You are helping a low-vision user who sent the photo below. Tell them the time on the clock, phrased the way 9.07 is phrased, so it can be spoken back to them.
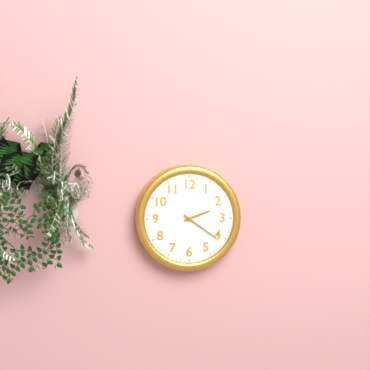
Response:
2.21
